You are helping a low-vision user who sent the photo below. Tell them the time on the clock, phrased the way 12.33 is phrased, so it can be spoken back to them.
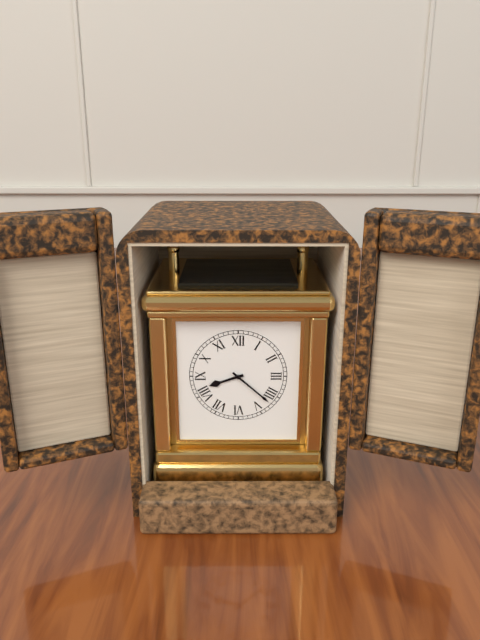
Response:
8.22
